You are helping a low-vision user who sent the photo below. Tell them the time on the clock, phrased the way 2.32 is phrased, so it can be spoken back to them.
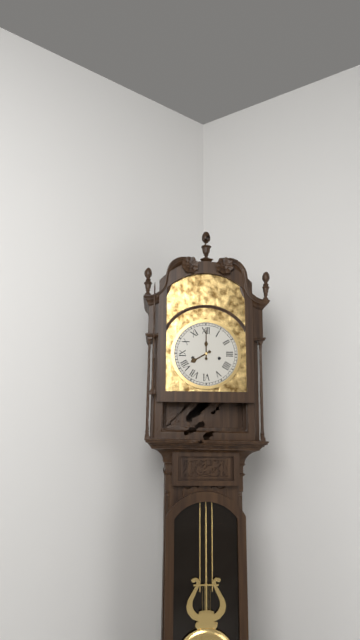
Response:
8.00
